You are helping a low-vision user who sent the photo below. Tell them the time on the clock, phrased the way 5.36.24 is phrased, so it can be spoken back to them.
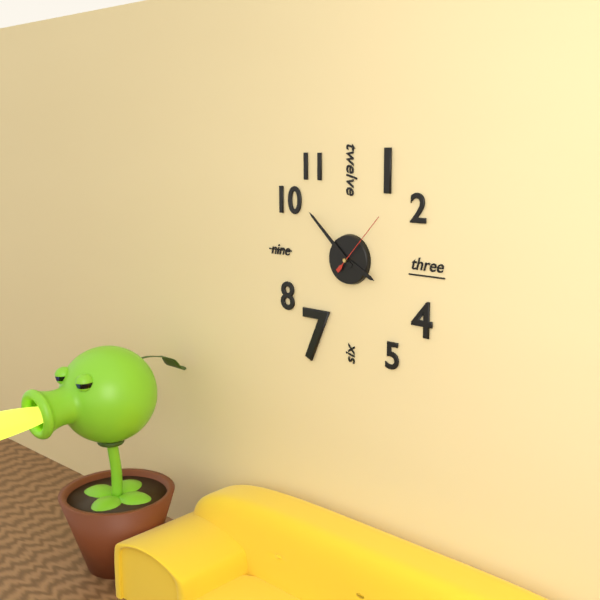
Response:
3.52.07
